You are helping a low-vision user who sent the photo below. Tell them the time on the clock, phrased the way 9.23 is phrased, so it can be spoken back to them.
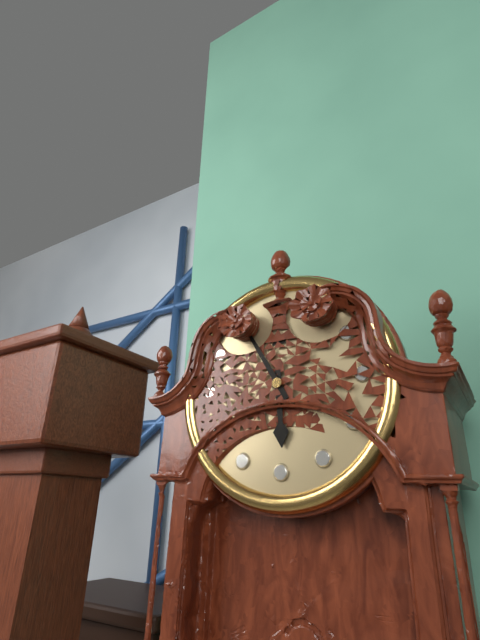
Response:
5.55
